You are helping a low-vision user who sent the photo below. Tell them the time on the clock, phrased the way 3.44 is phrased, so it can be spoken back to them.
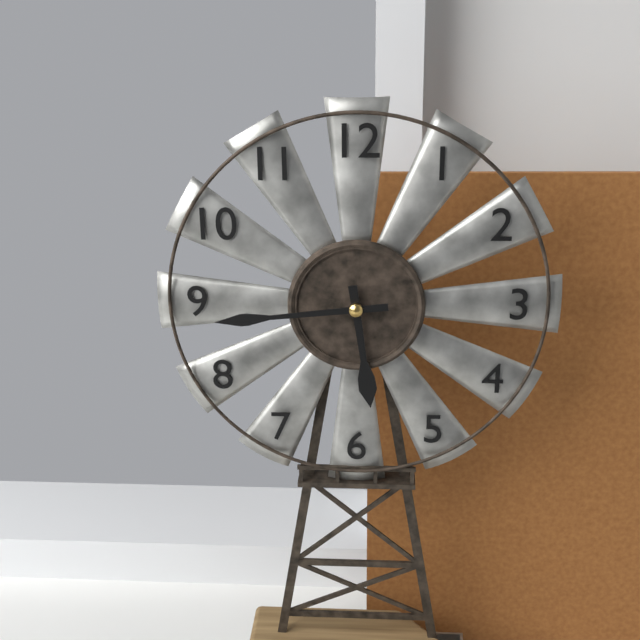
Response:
5.44
